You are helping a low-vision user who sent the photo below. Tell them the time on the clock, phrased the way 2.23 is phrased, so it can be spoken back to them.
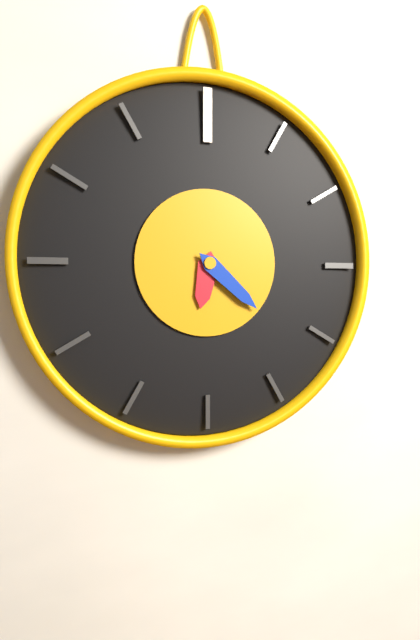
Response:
6.22
